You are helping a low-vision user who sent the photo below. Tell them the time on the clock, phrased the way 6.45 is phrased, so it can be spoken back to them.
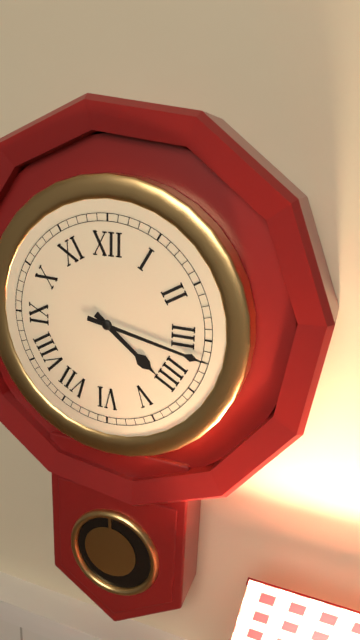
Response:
4.17
